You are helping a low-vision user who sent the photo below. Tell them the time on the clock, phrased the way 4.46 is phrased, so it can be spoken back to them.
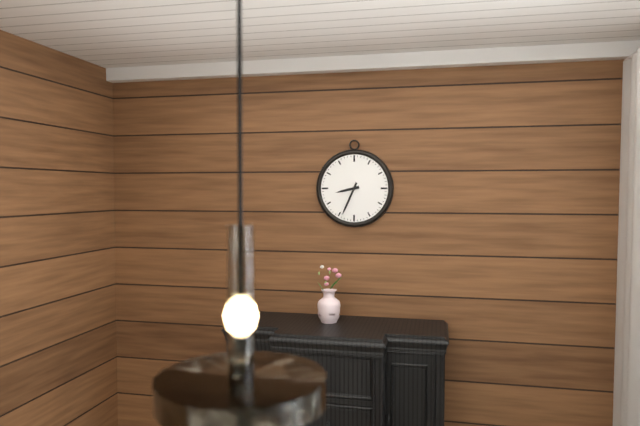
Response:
8.34
